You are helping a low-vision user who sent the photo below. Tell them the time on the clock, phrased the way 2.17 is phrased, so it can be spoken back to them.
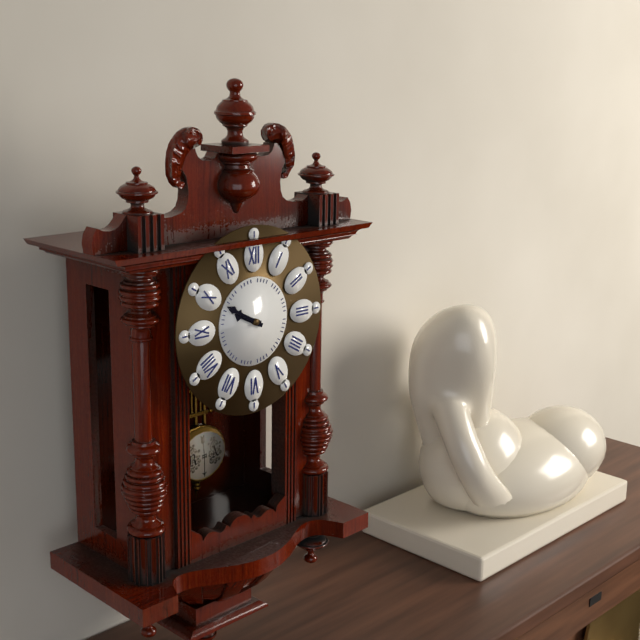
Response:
9.50
